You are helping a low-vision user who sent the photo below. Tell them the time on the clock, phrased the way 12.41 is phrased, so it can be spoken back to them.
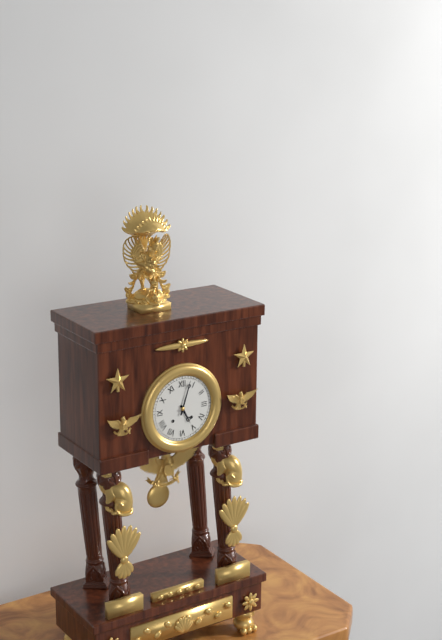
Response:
5.03
